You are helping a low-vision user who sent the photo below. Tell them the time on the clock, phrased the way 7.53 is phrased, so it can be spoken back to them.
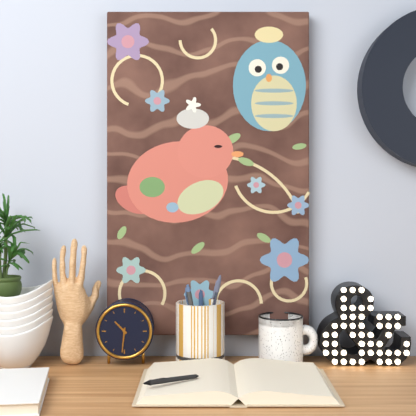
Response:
10.31
